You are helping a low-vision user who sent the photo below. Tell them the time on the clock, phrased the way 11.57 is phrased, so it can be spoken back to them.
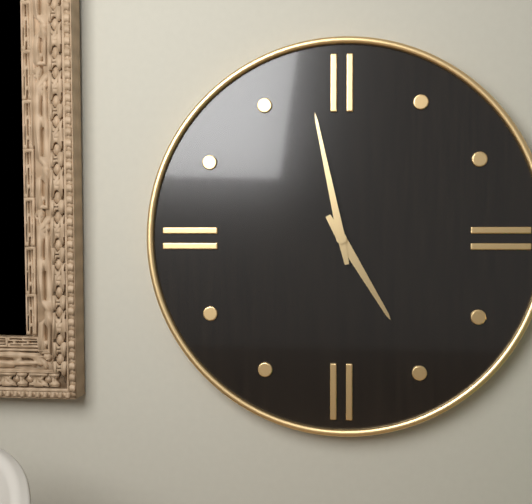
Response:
4.58
